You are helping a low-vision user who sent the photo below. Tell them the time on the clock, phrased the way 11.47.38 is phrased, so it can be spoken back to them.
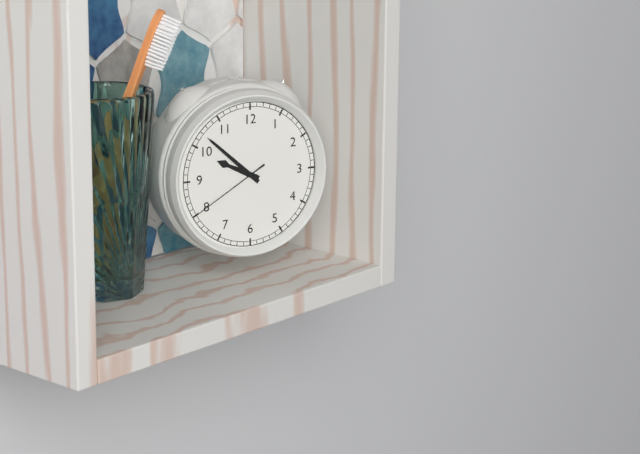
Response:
9.52.40
